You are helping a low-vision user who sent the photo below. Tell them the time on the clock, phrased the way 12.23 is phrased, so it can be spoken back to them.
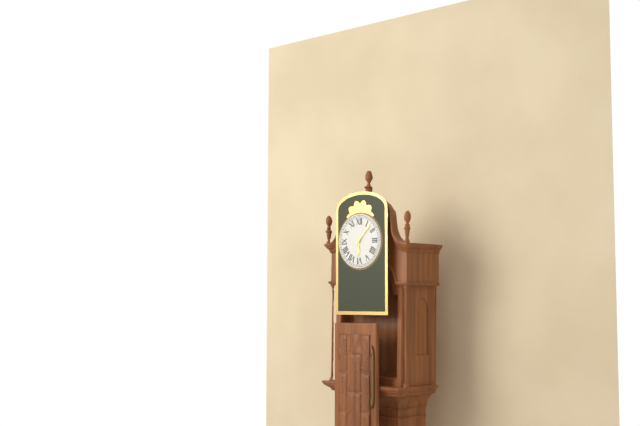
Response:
6.07
